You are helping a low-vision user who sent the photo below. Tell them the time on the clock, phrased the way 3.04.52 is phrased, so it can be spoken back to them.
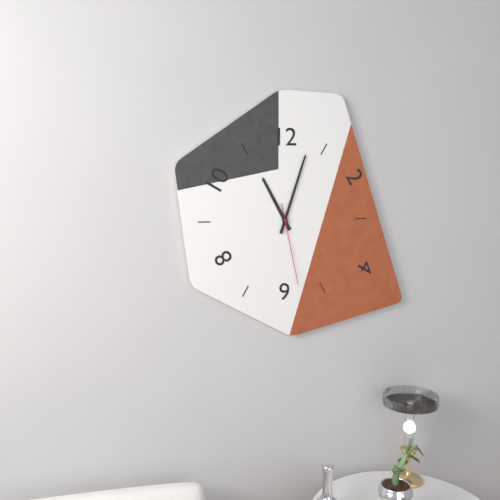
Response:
11.03.28
